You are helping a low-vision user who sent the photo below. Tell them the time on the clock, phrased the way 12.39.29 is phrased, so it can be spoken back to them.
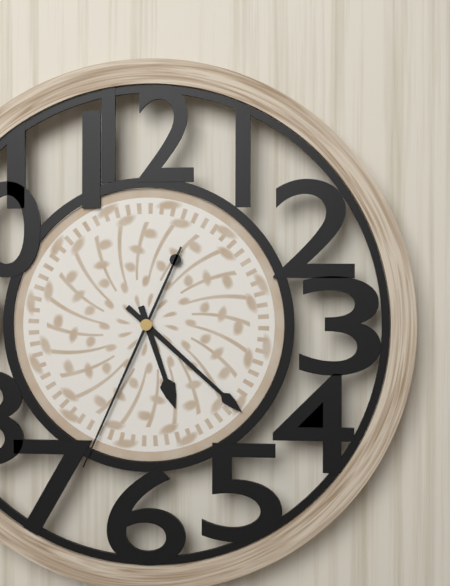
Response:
5.22.34
